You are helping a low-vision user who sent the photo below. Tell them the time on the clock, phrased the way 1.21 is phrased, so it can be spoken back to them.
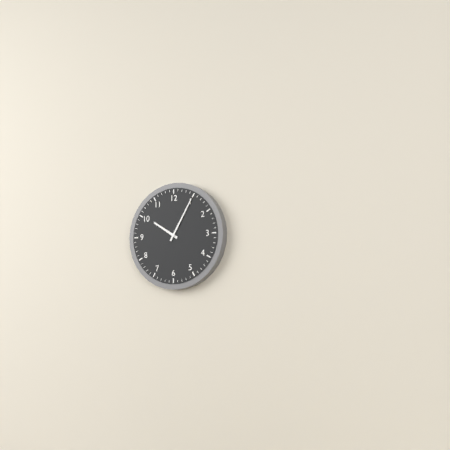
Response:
10.05
